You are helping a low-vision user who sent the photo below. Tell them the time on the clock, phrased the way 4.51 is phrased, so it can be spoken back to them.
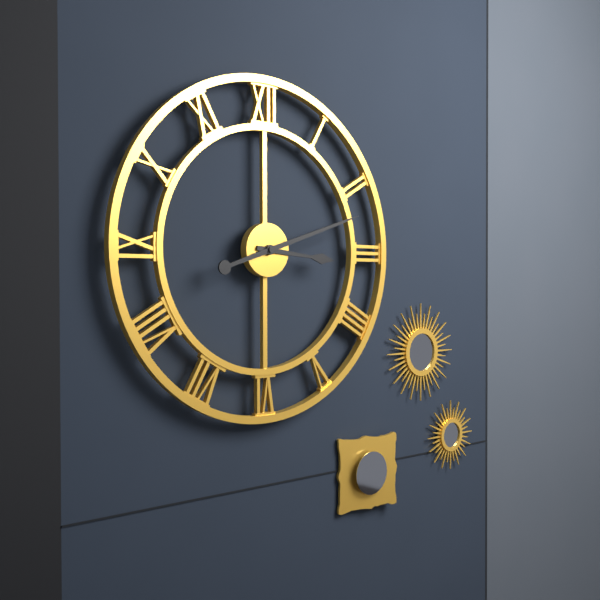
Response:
3.12
